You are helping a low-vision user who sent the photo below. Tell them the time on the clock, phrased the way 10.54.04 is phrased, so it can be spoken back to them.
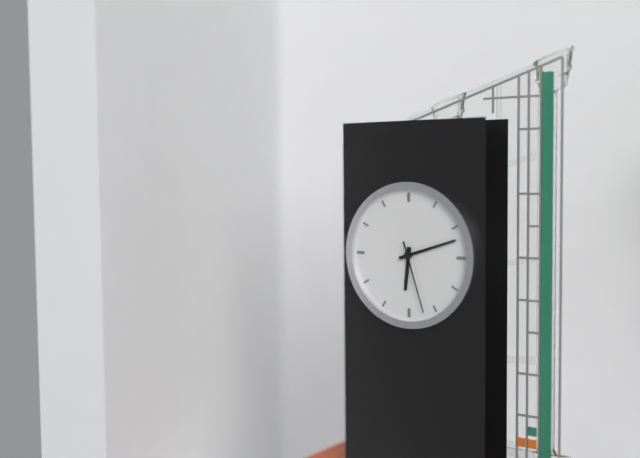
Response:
6.12.27
